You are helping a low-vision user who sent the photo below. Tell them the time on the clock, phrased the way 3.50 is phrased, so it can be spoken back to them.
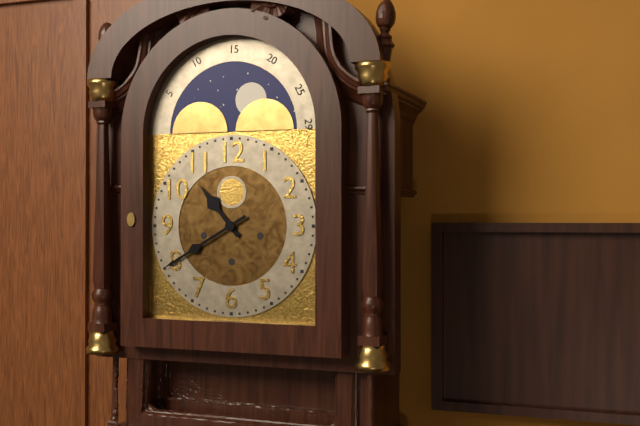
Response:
10.40
